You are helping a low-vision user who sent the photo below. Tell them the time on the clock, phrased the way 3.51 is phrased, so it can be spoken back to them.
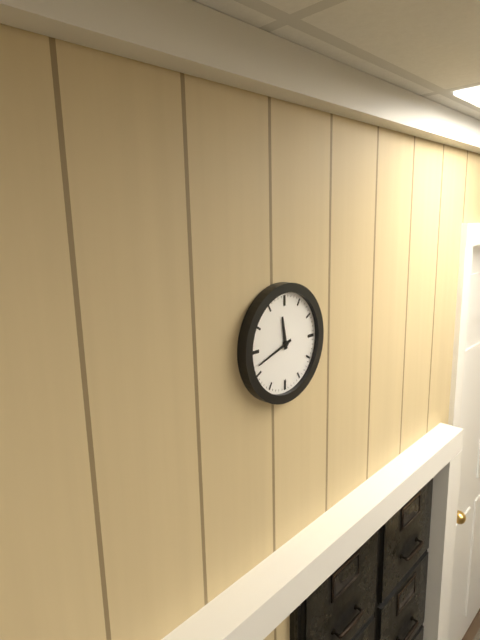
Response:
11.42
